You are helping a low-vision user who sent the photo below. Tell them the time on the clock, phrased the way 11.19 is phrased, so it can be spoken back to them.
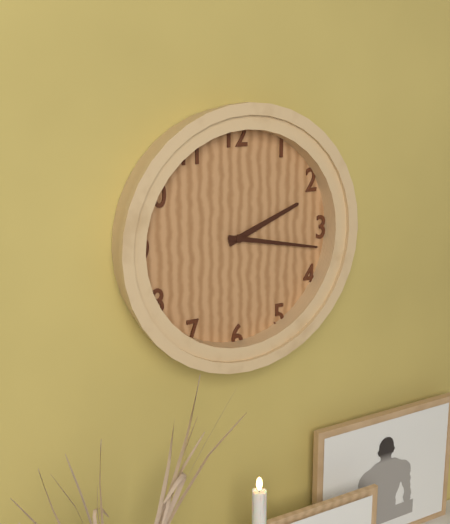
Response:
2.17
